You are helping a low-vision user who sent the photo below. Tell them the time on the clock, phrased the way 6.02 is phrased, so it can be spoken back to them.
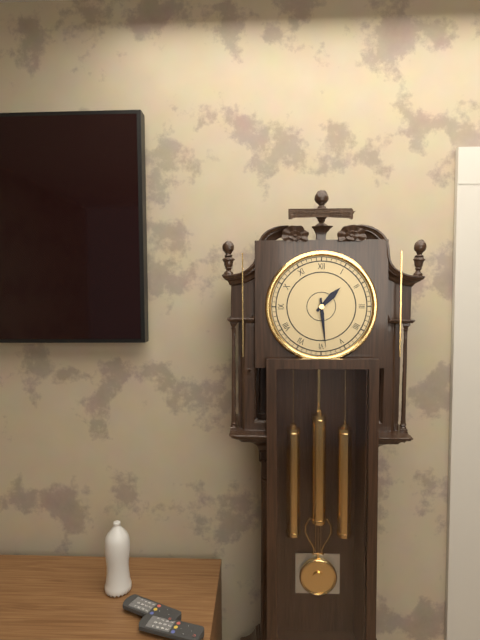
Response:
1.29
